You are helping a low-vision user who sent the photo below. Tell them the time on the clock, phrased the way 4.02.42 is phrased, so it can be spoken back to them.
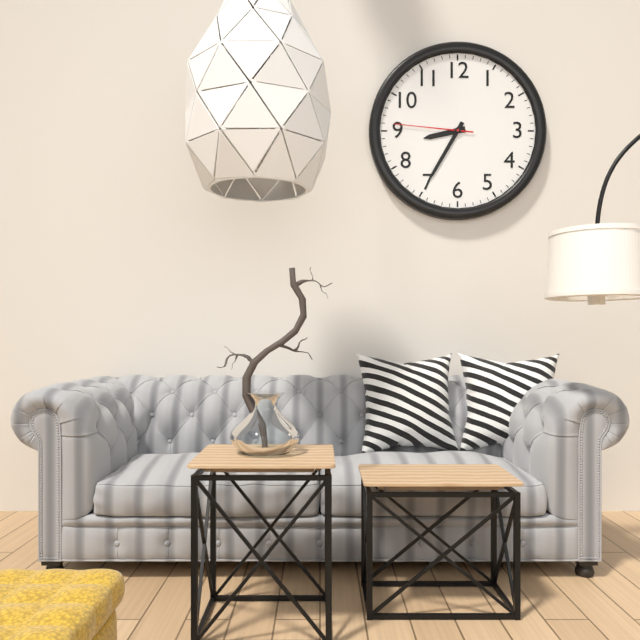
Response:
8.35.46
